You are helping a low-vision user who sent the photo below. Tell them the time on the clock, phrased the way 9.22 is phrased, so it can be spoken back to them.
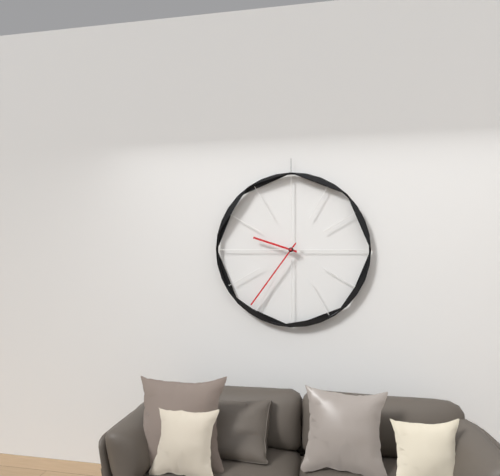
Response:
9.36
